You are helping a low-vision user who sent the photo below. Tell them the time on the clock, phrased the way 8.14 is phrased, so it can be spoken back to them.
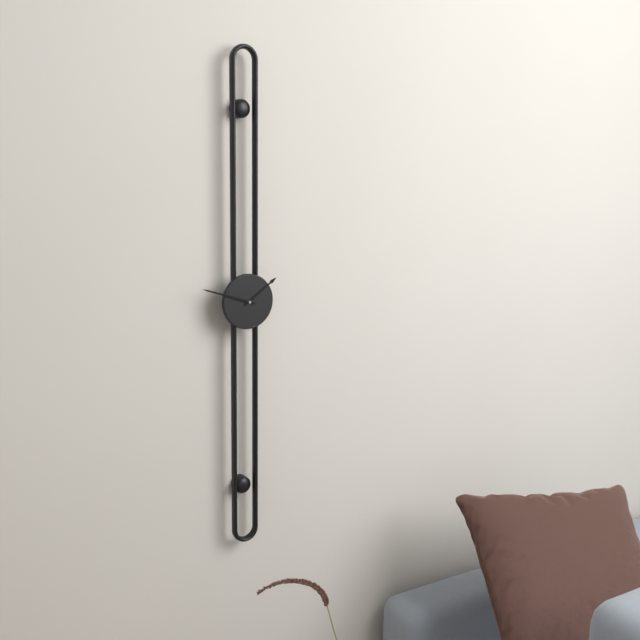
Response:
1.48
